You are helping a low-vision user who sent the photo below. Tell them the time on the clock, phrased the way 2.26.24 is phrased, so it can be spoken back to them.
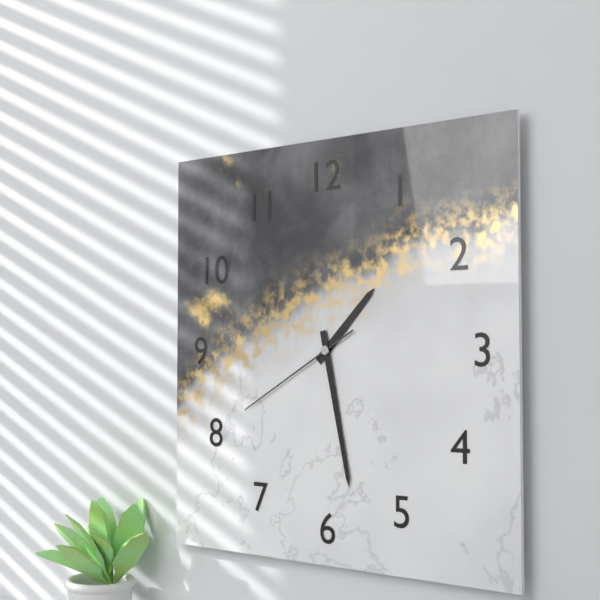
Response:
1.28.40
